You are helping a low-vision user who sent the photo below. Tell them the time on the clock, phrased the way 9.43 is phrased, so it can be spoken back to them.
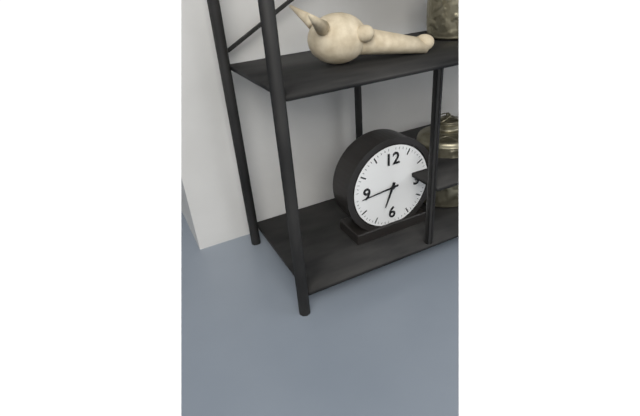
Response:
6.44
